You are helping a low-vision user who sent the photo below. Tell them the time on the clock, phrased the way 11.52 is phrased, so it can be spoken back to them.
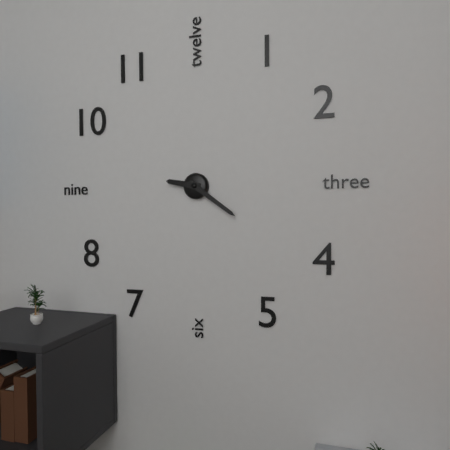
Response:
9.21
